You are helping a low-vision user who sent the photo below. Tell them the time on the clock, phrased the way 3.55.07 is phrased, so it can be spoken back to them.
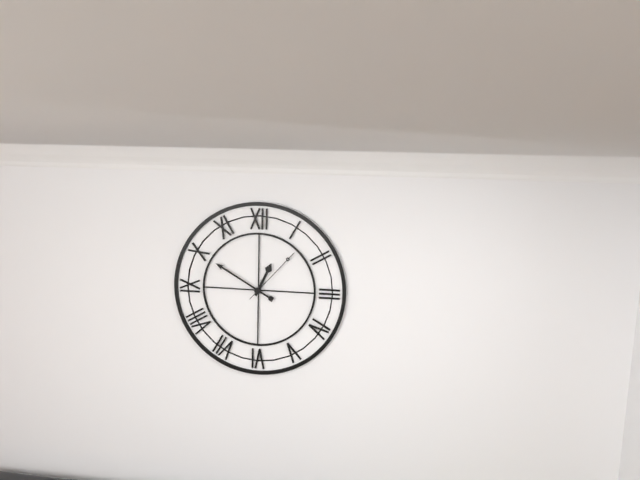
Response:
12.50.07
